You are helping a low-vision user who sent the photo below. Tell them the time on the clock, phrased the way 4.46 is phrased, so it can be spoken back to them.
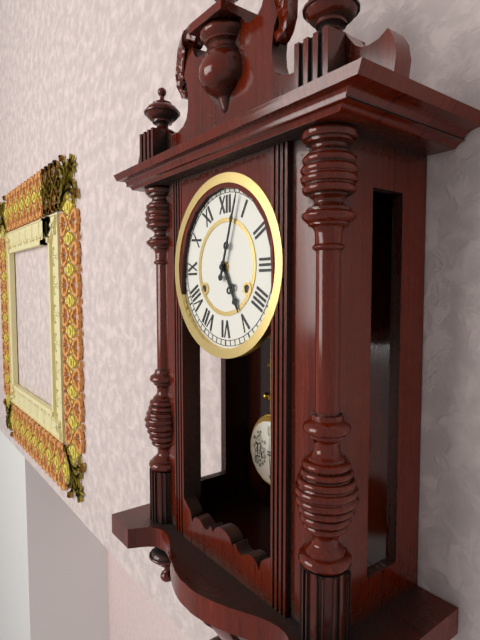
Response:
5.03
